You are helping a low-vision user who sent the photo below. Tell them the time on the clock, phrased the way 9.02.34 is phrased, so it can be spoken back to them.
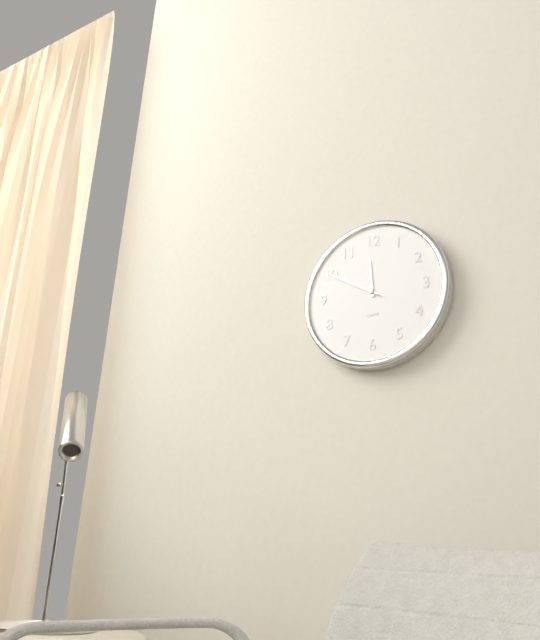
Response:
11.50.50
